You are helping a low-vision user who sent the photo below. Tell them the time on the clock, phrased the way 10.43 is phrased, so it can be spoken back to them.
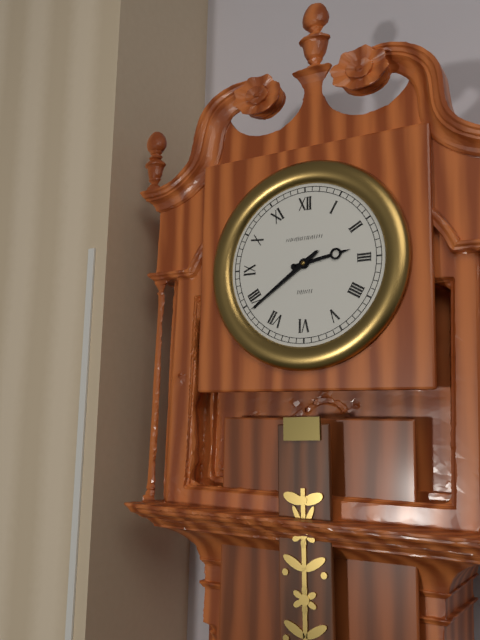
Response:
2.39
